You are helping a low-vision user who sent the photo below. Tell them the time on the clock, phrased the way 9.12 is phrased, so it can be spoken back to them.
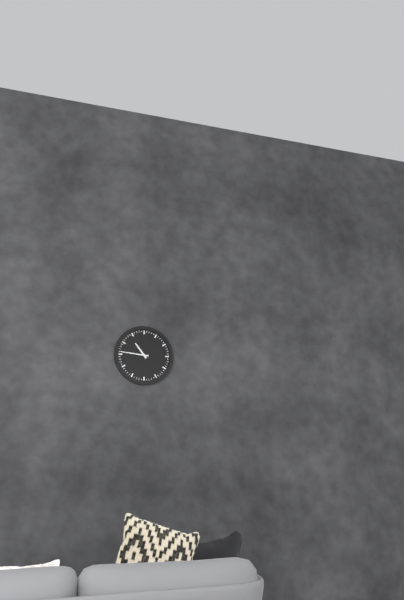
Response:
10.46
